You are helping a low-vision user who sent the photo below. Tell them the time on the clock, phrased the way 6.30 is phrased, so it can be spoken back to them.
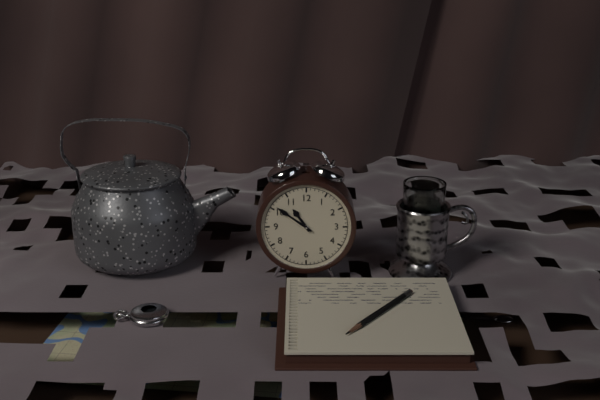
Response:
10.51
